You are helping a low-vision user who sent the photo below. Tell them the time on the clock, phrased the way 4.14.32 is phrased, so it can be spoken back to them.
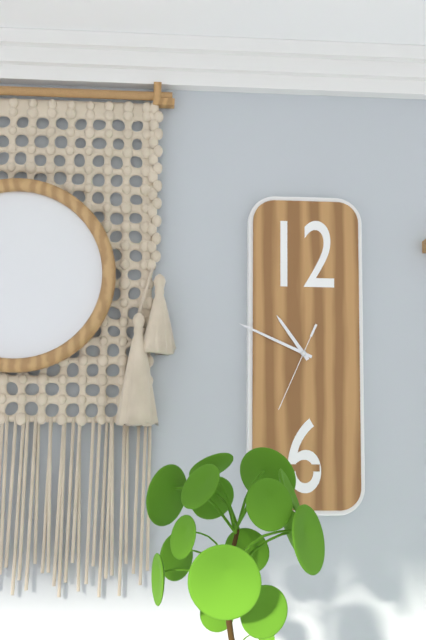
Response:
10.49.34
